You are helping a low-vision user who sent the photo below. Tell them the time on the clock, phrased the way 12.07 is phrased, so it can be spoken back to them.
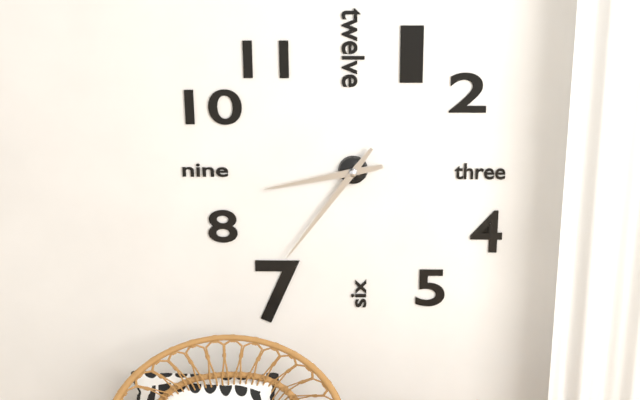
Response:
8.36
